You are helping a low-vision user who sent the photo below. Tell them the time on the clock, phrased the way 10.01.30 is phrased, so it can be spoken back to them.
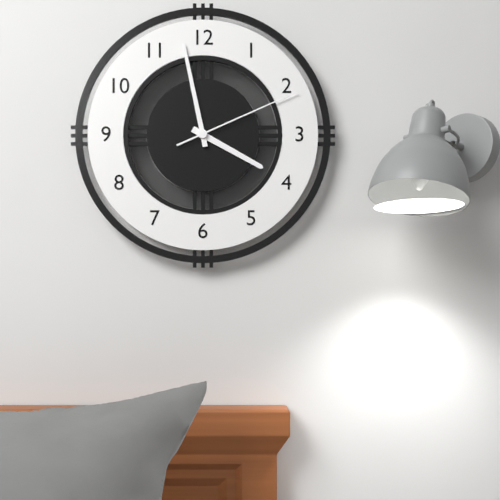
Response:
3.58.11
